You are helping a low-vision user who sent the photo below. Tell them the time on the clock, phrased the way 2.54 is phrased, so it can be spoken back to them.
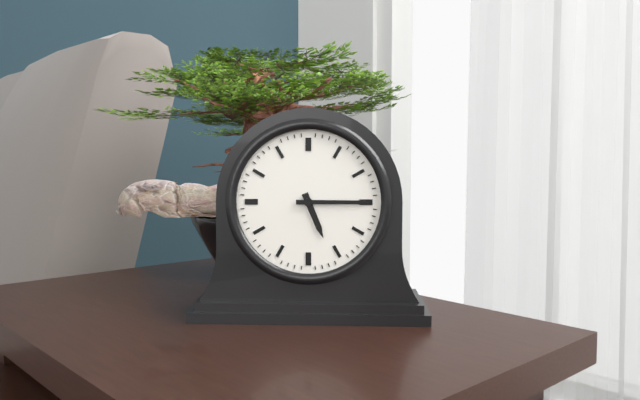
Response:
5.15
